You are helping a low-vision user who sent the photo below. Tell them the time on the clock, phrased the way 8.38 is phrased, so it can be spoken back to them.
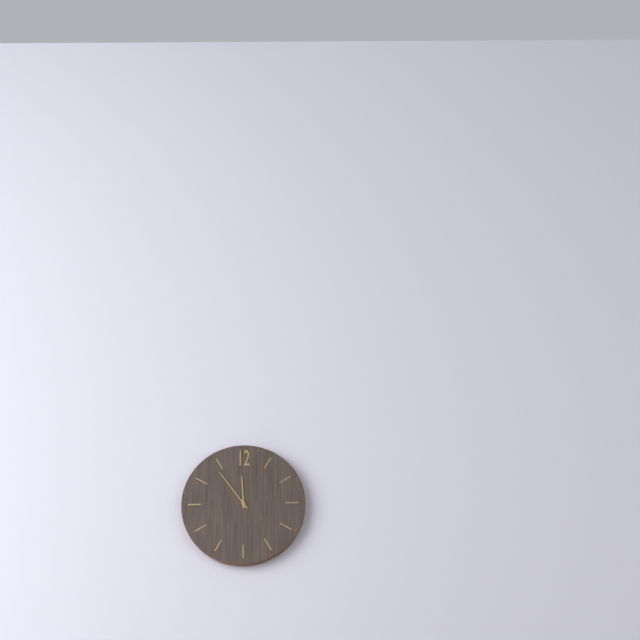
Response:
11.54
